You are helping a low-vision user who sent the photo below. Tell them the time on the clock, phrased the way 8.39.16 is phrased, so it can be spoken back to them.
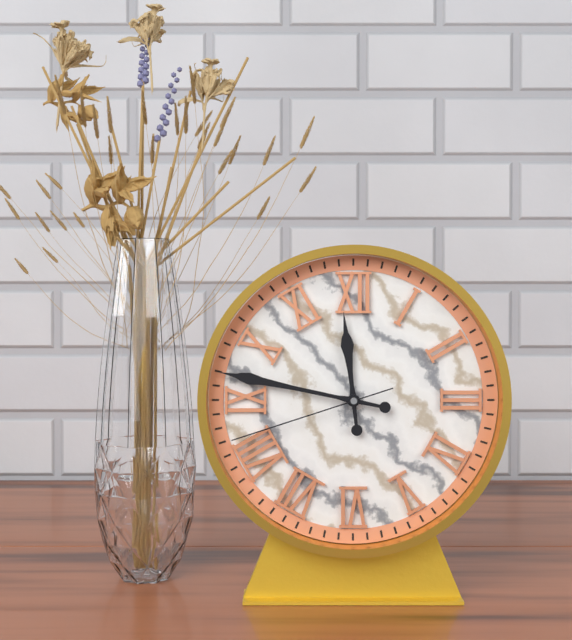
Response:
11.47.42
